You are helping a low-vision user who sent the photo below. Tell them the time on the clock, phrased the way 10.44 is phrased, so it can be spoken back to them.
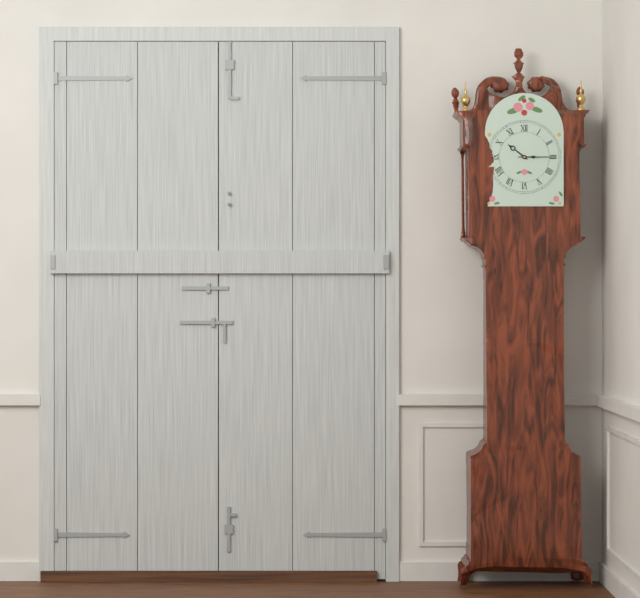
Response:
10.15
